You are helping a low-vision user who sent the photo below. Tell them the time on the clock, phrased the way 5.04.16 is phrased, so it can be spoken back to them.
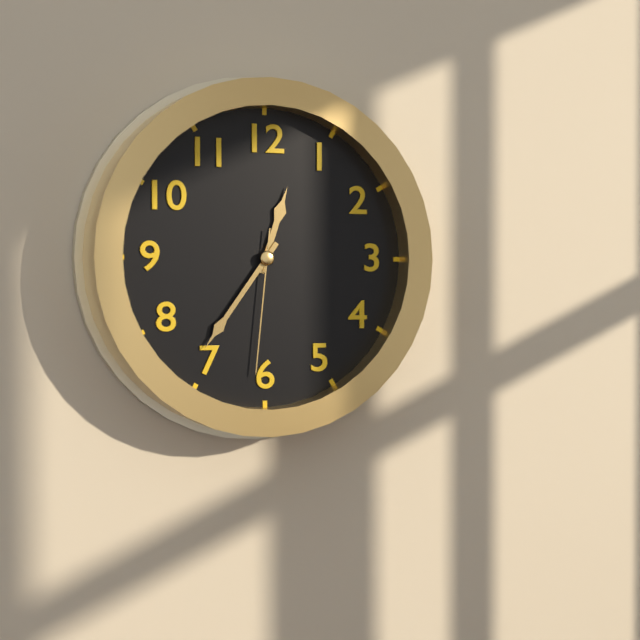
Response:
12.36.31
